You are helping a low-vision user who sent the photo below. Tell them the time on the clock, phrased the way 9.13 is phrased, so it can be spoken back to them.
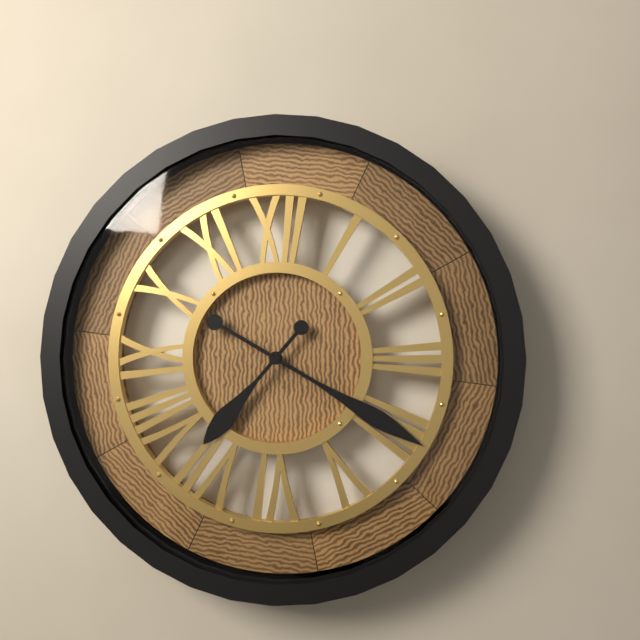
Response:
7.20
